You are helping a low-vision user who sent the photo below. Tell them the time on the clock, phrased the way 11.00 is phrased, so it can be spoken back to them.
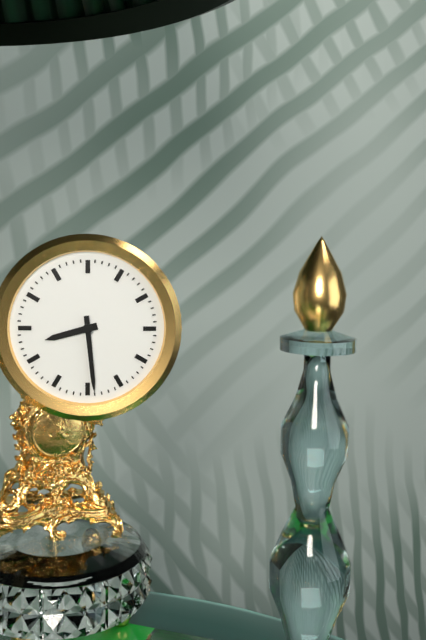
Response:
8.29
